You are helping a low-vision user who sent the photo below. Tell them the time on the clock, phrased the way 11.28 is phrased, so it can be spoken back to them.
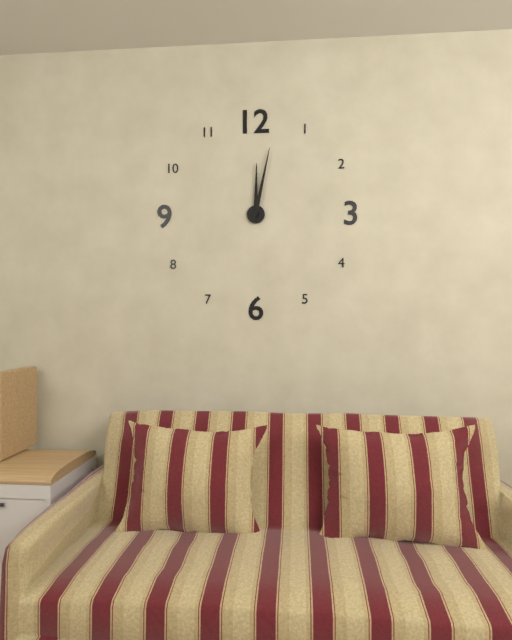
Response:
12.02
